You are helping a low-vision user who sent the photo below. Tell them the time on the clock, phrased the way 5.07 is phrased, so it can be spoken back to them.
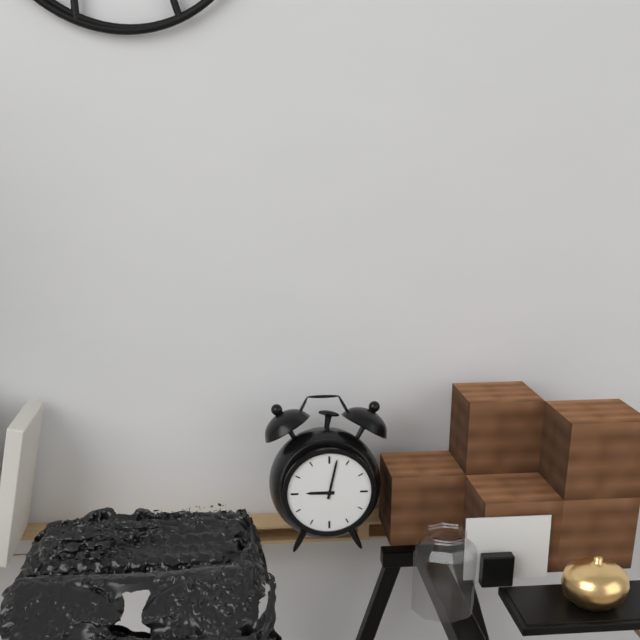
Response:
9.02
